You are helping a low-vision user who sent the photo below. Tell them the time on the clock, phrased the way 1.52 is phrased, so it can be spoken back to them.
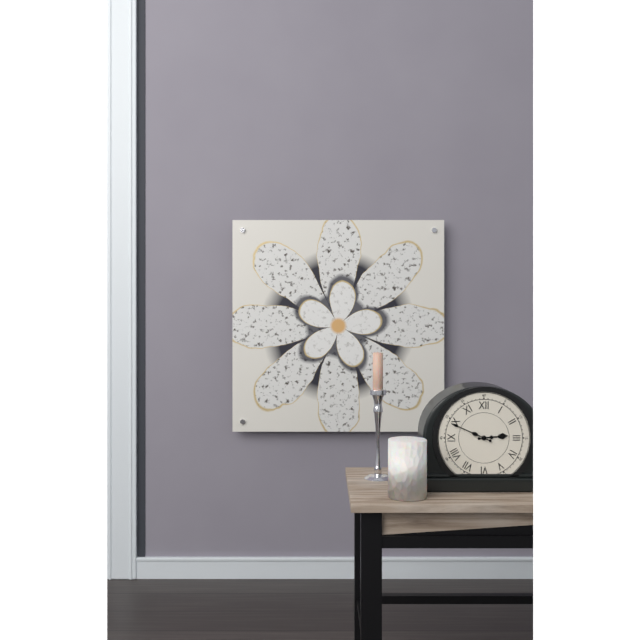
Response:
2.49
